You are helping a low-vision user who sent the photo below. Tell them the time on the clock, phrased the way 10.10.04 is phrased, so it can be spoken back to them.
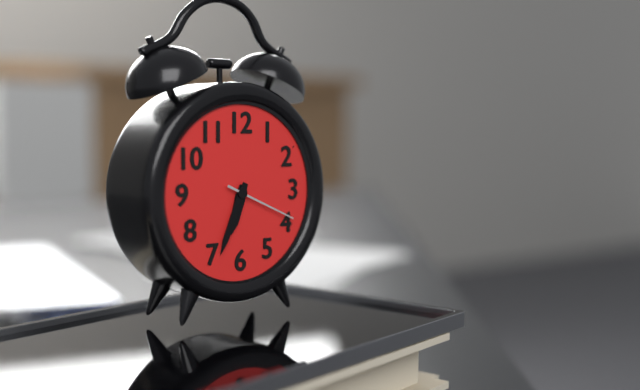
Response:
6.34.19
